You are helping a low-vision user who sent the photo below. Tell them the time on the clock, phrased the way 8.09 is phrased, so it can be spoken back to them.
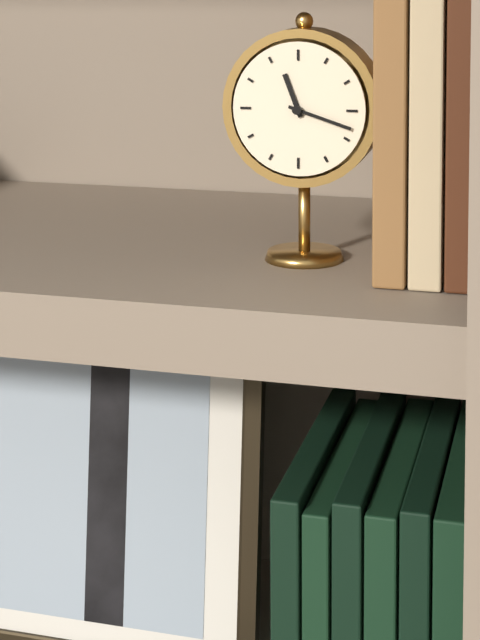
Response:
11.18
